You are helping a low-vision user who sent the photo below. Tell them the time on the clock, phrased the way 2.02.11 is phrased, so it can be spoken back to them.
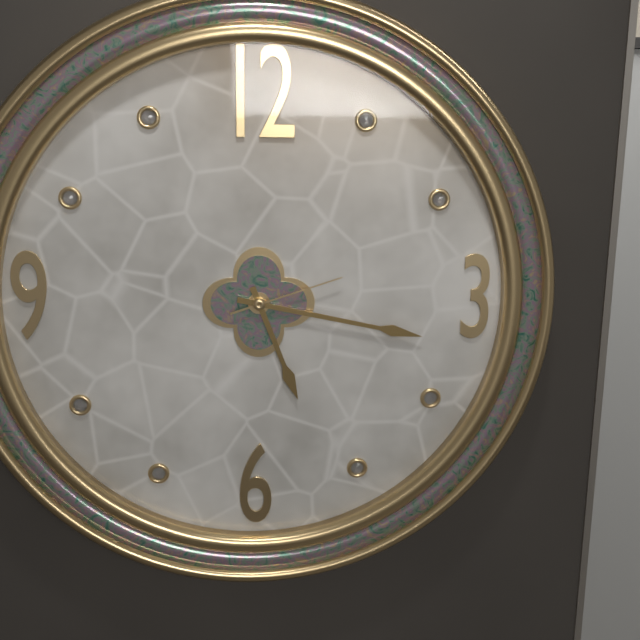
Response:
5.17.12
